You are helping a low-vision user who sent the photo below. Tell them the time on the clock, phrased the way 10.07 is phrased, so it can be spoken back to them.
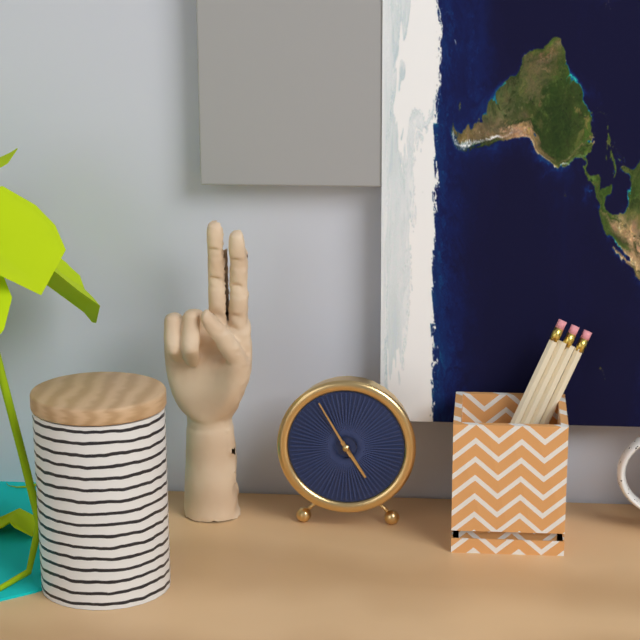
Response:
4.55
